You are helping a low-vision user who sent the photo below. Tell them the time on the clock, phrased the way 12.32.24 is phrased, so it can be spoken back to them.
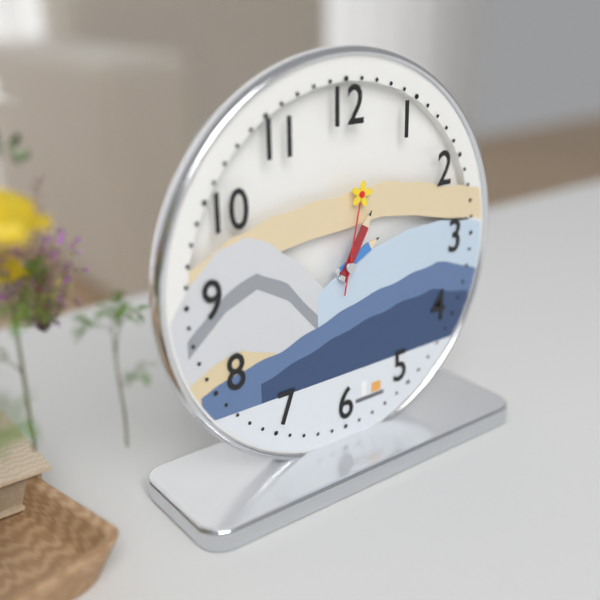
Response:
2.05.02
